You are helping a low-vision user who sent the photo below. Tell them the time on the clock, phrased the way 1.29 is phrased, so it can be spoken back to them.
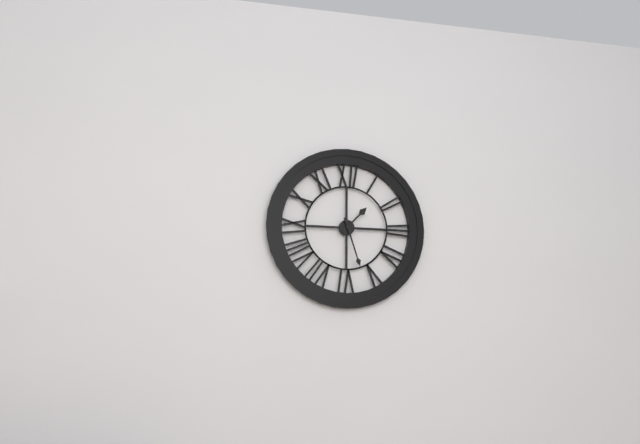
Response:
1.27
